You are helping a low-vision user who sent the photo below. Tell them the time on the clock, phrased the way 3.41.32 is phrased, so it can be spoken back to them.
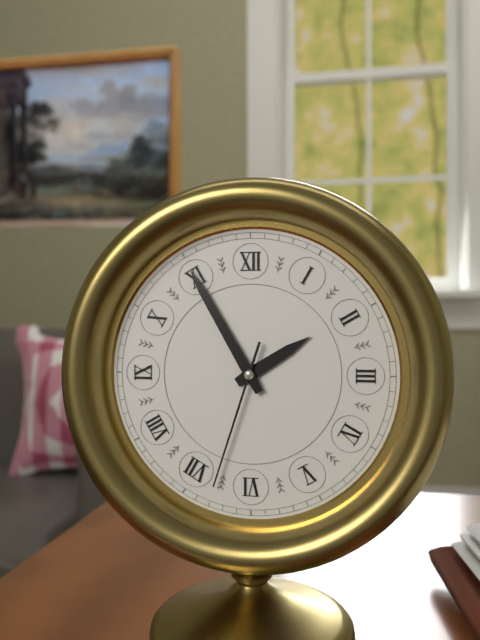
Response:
1.55.33
